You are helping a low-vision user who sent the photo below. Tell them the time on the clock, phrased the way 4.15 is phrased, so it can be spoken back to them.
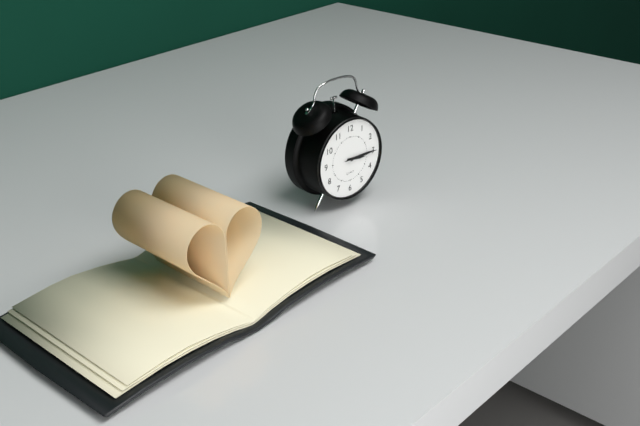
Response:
3.15
